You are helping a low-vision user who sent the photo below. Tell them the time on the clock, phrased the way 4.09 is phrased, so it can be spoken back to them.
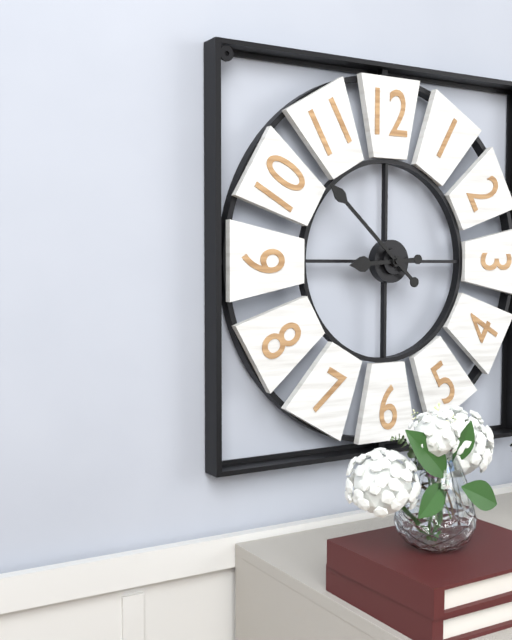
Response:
8.52
